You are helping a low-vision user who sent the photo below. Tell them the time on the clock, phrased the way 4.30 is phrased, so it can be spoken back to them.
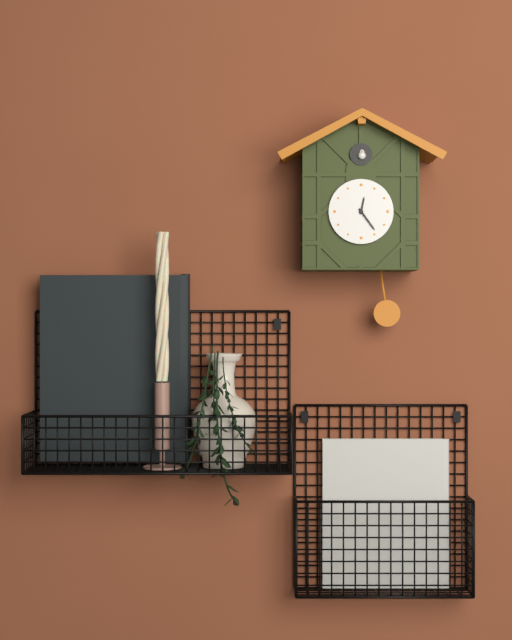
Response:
12.24
